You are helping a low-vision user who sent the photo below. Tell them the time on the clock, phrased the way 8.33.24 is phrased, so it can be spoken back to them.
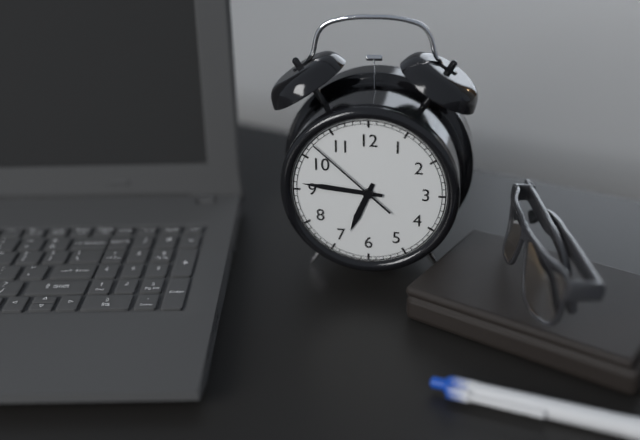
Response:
6.46.52
